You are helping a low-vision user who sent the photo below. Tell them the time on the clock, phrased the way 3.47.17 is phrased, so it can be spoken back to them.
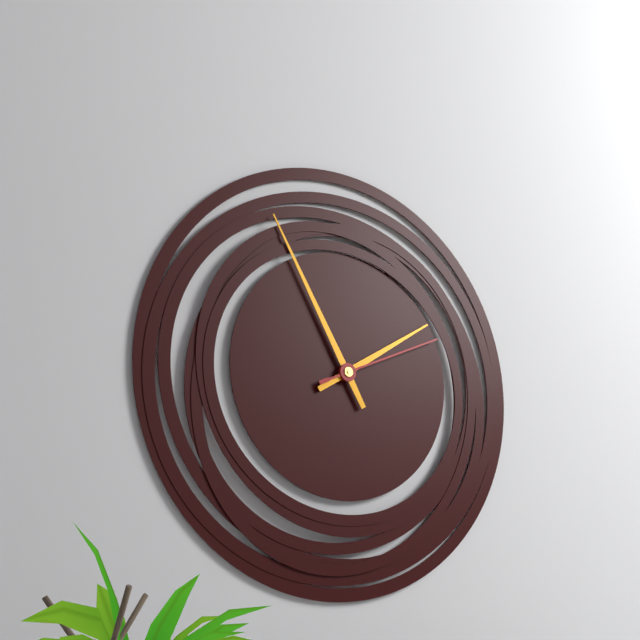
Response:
1.55.11
